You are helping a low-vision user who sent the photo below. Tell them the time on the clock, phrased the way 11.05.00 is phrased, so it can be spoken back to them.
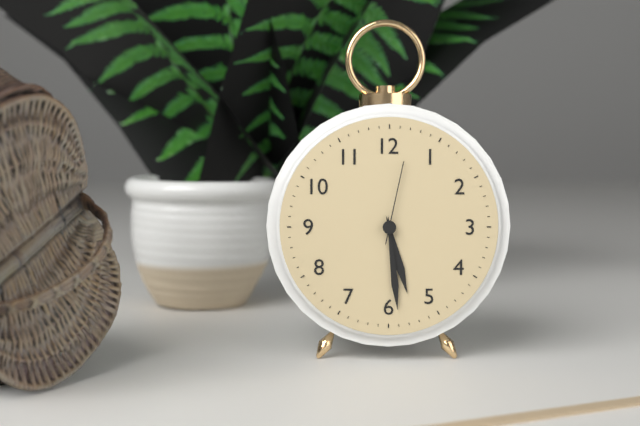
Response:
5.29.02
